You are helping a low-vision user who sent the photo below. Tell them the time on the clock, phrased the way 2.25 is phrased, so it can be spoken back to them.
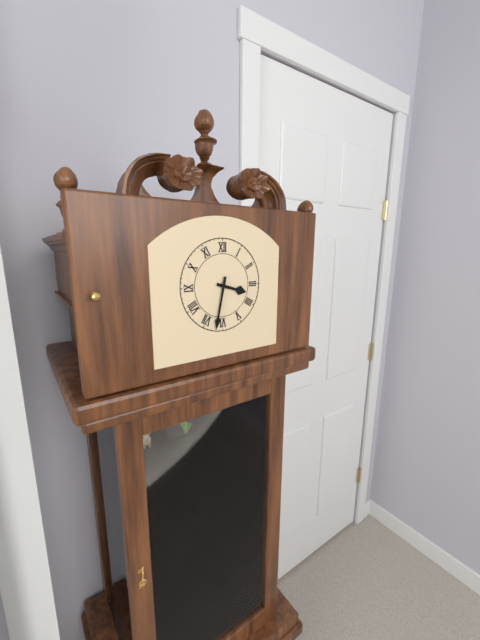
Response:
3.32
